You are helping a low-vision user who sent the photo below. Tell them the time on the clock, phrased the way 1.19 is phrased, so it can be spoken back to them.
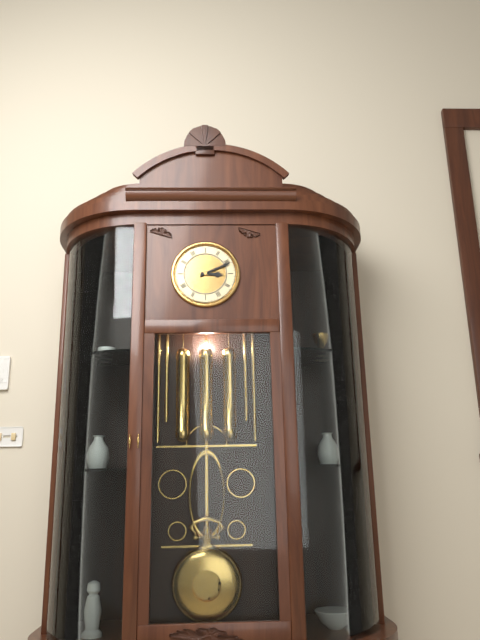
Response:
3.11
